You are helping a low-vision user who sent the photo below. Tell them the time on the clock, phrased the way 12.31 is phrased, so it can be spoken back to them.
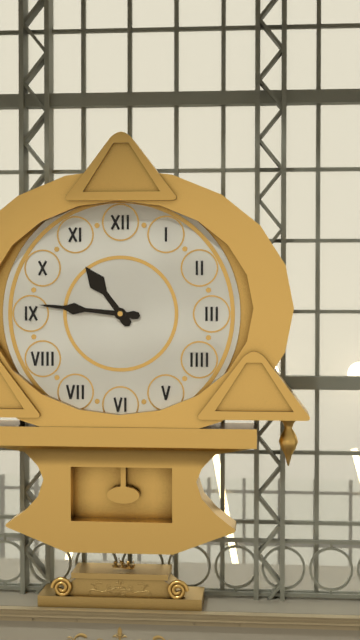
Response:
10.46
